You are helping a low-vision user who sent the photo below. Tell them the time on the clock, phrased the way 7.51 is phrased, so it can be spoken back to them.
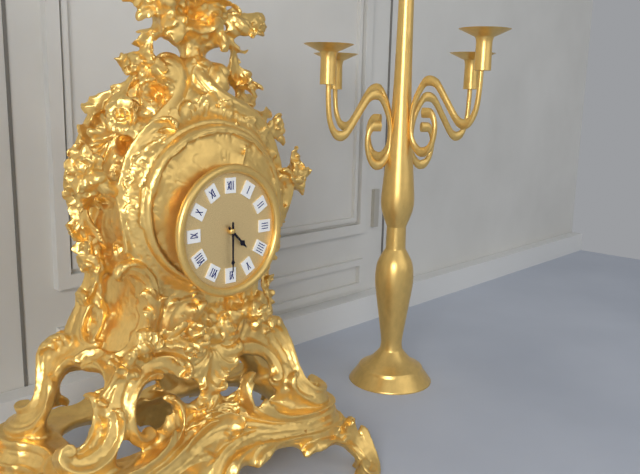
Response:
4.30
